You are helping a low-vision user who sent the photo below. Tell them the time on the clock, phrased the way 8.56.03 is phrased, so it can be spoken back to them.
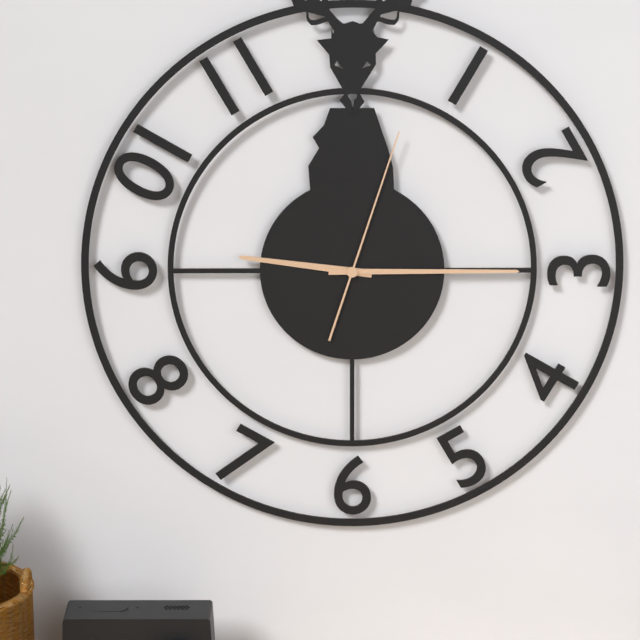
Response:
9.15.03
